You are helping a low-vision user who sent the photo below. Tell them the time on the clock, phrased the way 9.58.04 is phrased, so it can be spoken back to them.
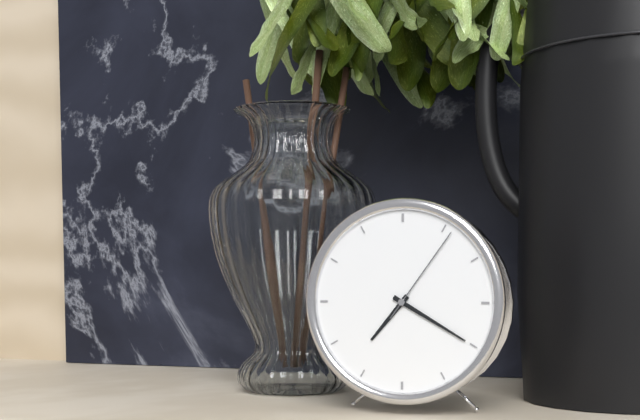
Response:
7.20.06
